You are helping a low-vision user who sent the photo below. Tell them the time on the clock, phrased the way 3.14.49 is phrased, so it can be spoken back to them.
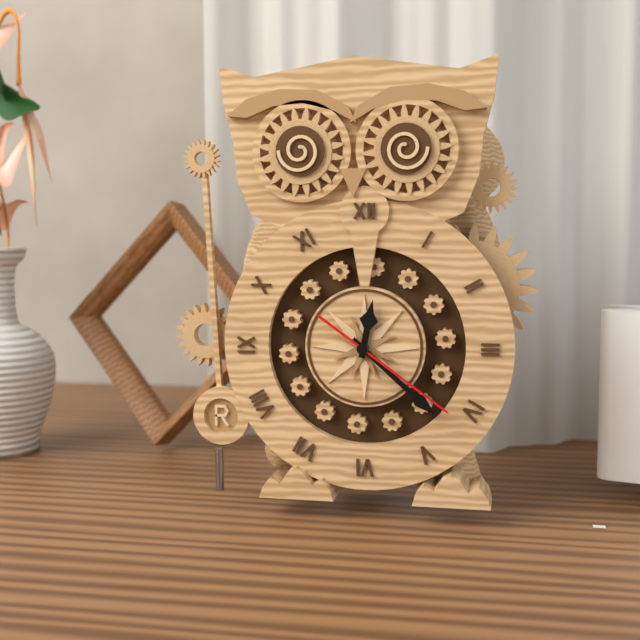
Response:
12.22.21
